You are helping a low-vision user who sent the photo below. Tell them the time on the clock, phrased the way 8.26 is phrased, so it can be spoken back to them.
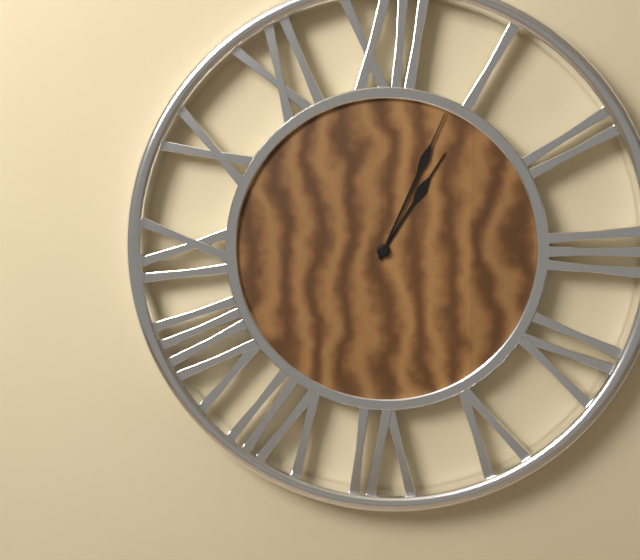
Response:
1.04
